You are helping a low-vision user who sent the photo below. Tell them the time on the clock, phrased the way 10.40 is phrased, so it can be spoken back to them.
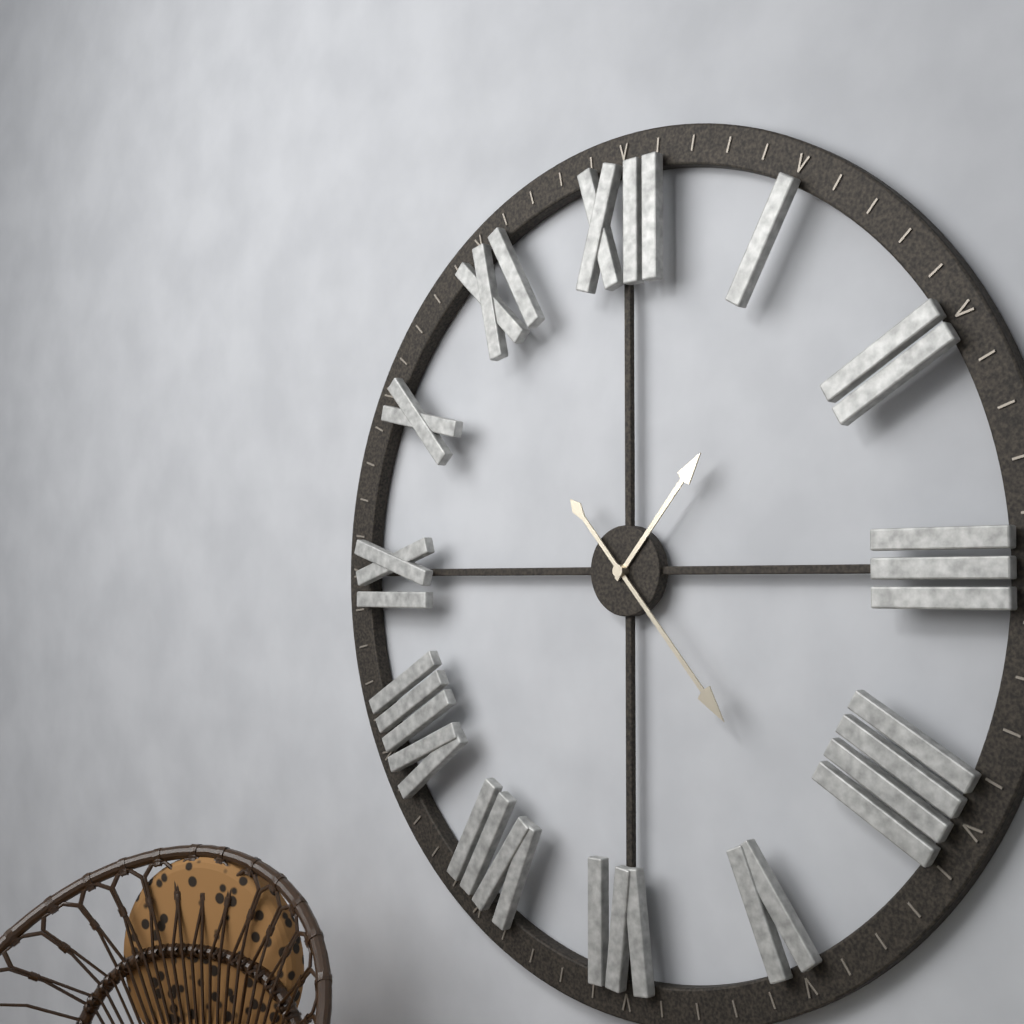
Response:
1.23
